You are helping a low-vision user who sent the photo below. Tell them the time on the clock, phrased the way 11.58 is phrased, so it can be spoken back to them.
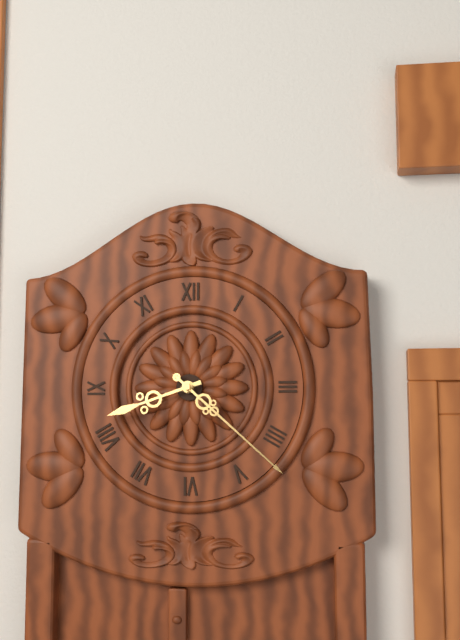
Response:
8.22
